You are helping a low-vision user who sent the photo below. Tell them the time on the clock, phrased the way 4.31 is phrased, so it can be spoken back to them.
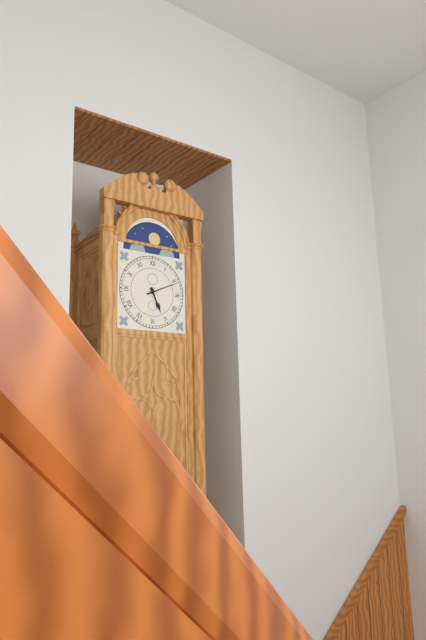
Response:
5.11
